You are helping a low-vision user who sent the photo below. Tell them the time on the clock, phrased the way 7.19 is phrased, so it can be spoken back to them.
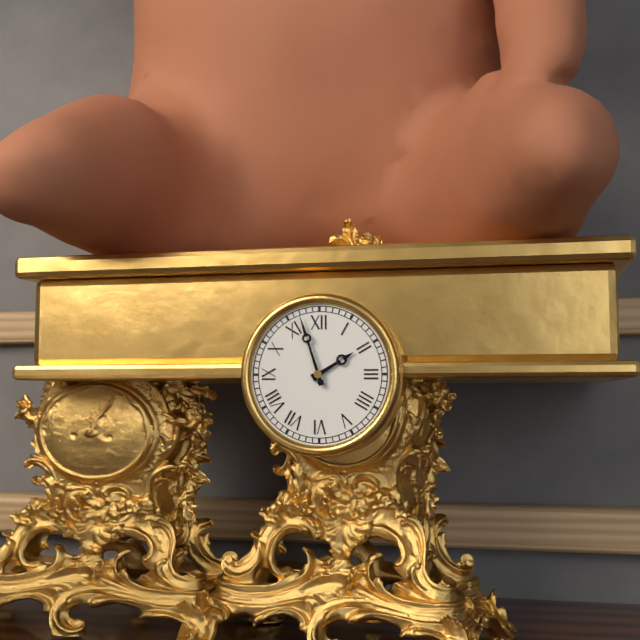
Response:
1.57
